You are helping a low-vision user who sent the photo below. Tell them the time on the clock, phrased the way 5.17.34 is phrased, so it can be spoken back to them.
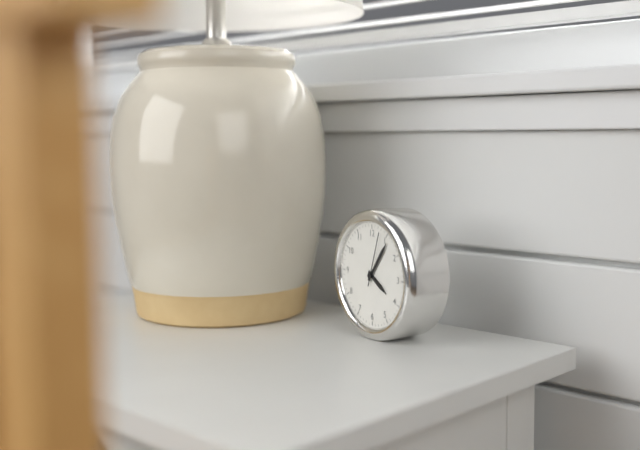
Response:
4.06.03
